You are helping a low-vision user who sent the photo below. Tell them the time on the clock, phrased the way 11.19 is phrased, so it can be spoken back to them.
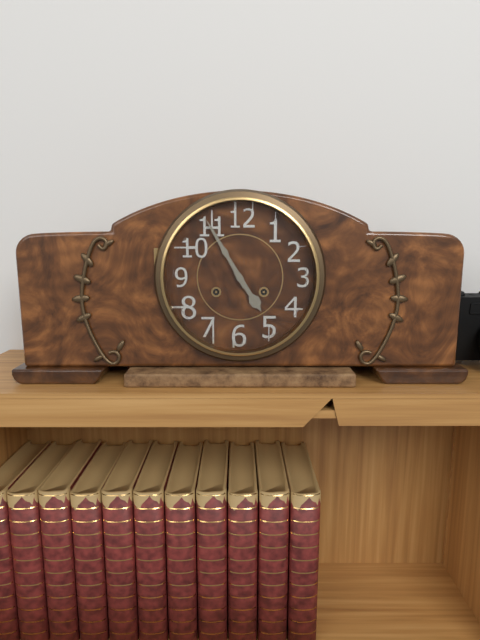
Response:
4.55
